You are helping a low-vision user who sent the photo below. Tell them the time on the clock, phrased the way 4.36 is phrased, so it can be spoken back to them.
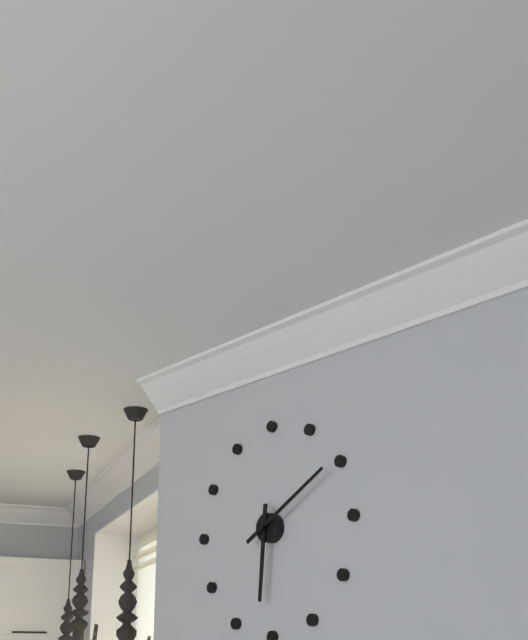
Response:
6.10
